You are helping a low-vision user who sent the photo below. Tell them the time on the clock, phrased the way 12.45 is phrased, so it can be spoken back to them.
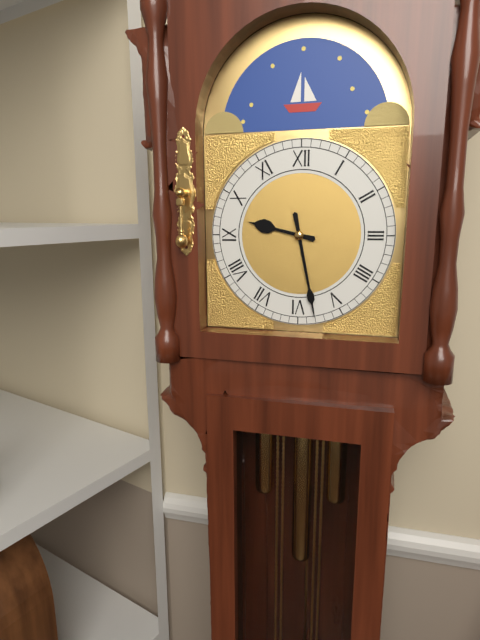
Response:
9.28
